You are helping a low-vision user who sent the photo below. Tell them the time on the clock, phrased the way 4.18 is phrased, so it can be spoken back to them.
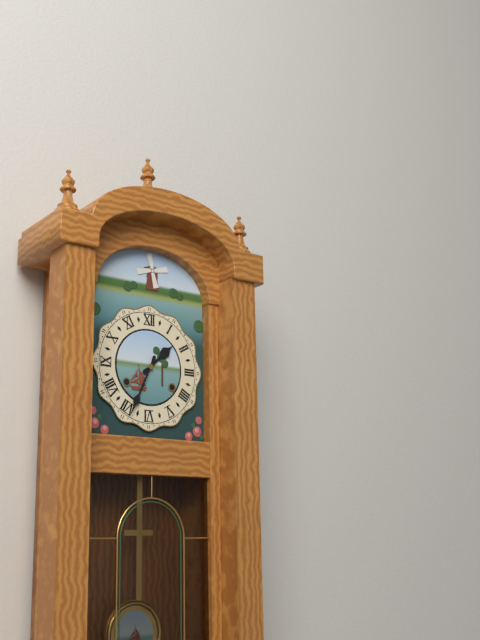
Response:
1.34
